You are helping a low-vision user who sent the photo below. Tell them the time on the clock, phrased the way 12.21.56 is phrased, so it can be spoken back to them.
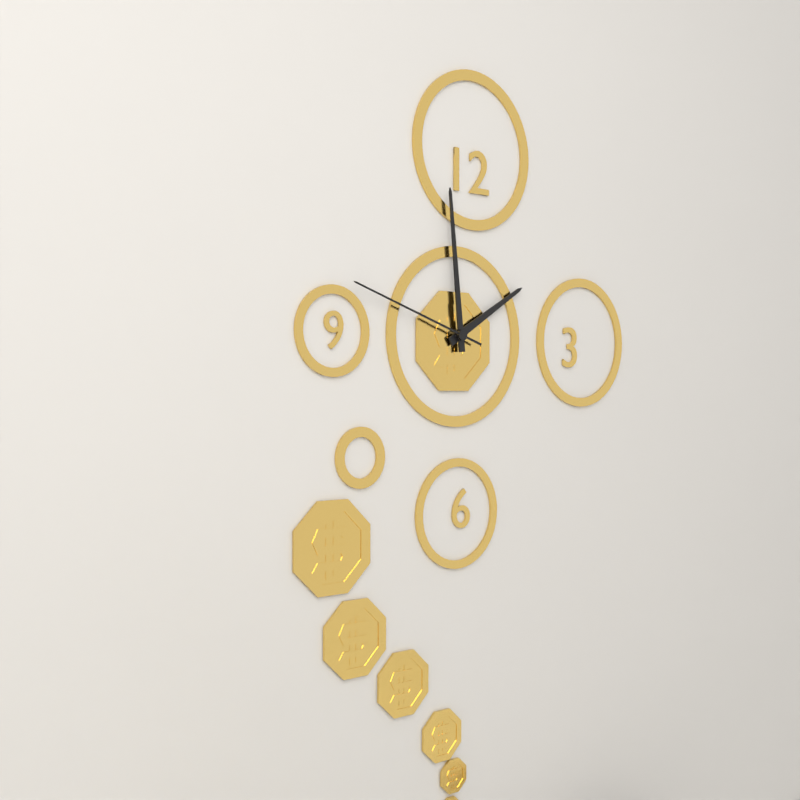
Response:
1.59.48
